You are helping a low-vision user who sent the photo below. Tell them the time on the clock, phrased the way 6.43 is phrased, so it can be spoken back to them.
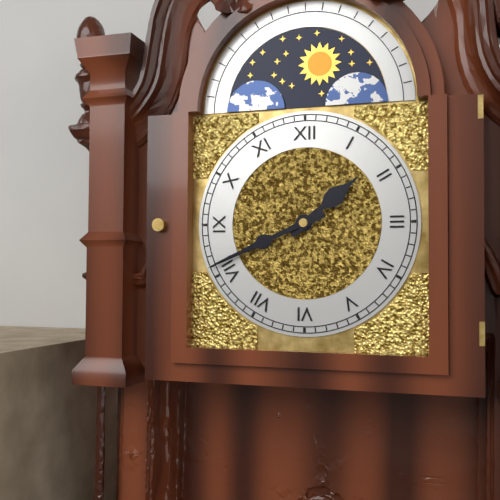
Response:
1.41
